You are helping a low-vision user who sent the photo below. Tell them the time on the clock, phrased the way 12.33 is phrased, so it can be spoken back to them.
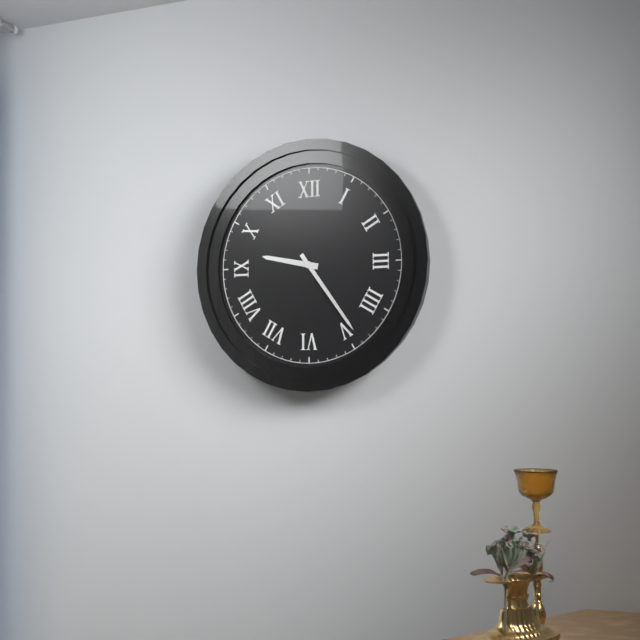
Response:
9.24
